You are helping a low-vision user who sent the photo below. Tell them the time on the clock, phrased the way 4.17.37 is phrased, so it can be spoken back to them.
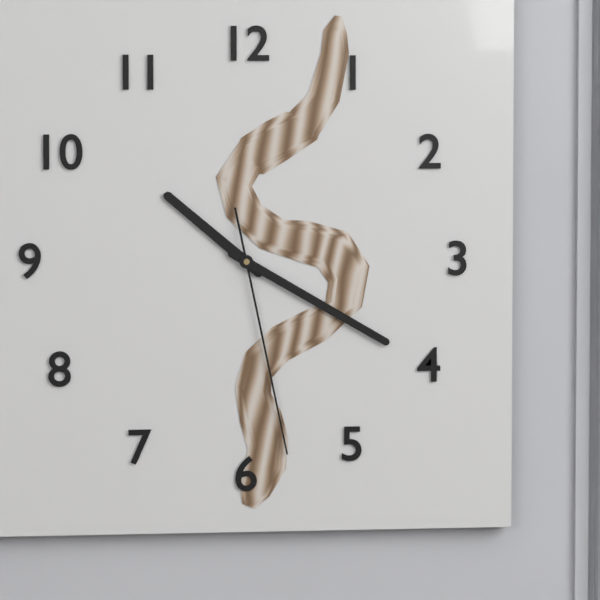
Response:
10.20.28
